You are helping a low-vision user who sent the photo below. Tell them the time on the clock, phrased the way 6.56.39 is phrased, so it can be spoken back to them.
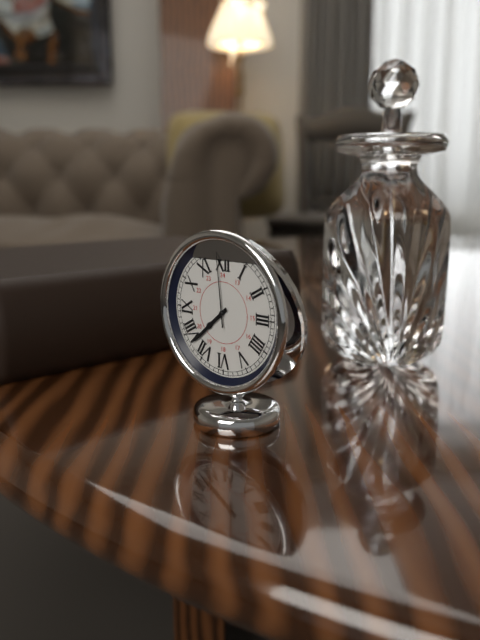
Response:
7.38.59
